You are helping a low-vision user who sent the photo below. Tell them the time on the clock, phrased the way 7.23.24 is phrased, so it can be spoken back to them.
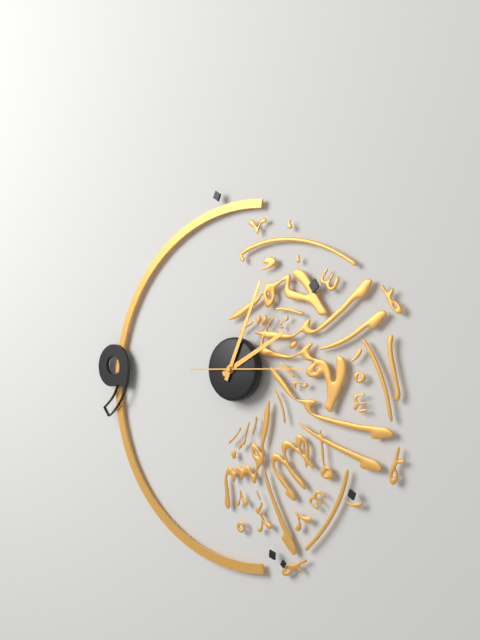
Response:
2.04.15
